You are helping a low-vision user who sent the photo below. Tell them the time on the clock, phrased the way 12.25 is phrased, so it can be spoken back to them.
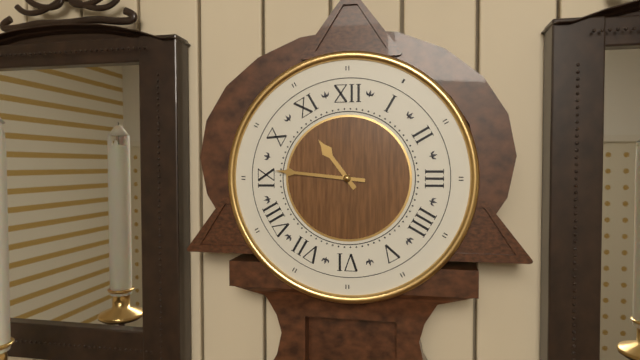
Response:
10.46
